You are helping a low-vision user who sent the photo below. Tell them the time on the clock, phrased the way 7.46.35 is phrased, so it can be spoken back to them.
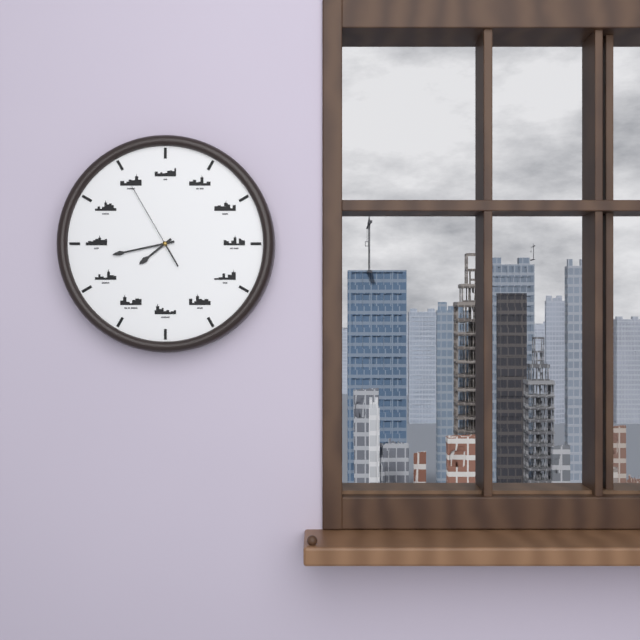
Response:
7.43.55
